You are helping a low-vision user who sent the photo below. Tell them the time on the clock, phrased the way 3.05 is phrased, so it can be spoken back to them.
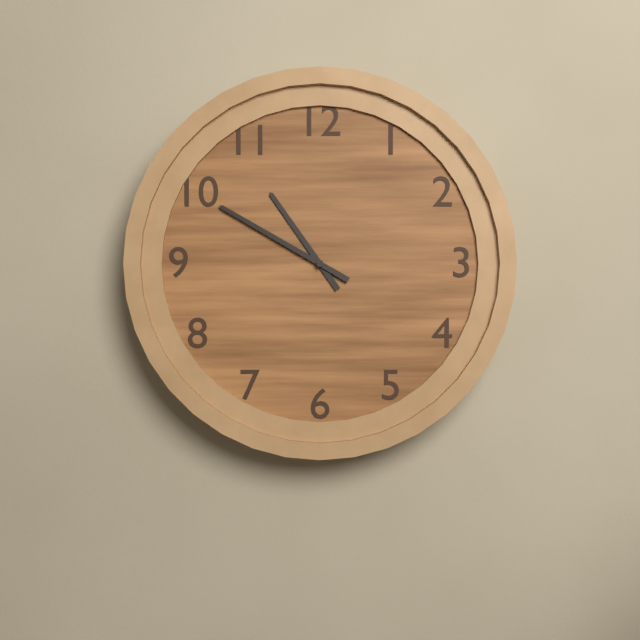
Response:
10.50
